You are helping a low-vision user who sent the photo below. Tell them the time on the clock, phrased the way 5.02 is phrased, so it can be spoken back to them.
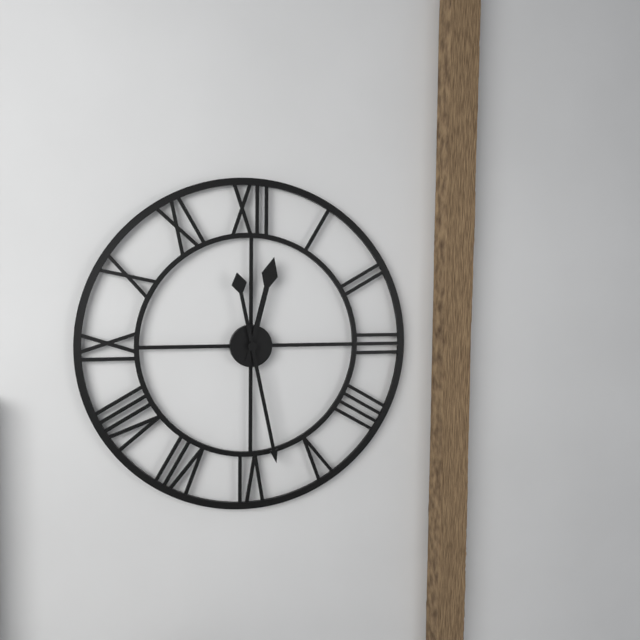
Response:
12.28
